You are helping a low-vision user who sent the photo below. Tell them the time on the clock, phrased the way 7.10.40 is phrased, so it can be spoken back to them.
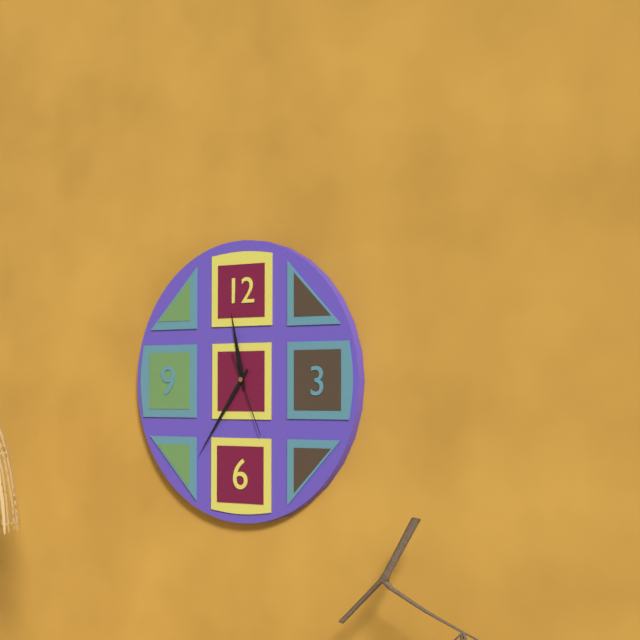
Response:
11.36.26
